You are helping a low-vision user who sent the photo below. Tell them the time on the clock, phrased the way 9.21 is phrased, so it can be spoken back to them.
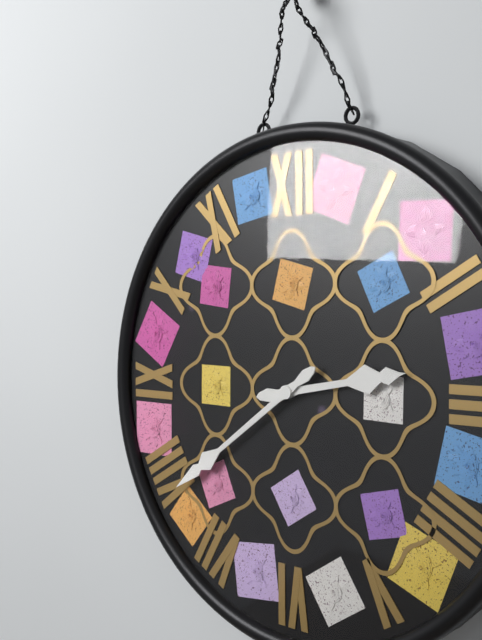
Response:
2.39
